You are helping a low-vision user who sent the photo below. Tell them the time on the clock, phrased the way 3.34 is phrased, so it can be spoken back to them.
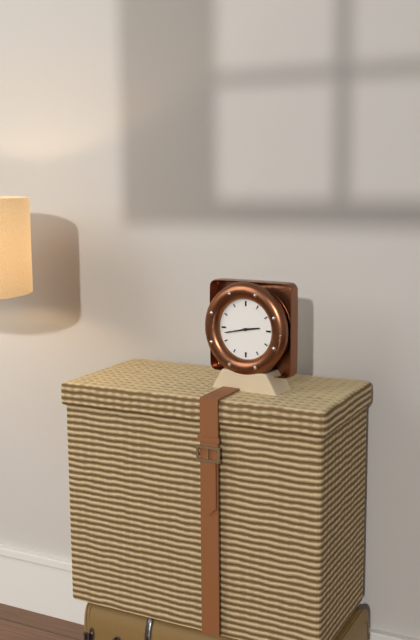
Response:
2.43
